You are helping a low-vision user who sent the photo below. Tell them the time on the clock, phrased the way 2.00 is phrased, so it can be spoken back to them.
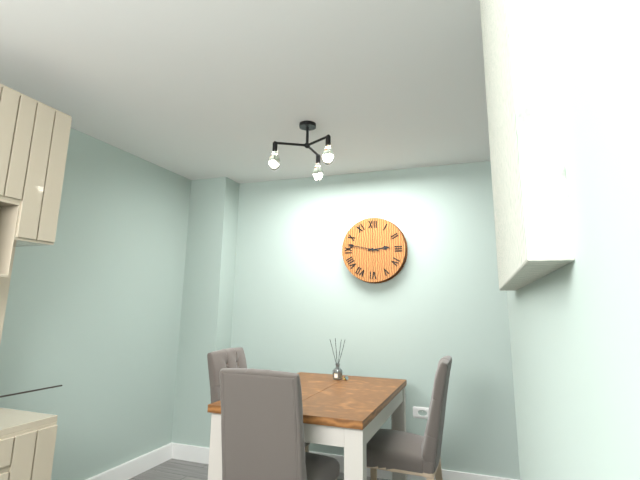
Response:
2.47
